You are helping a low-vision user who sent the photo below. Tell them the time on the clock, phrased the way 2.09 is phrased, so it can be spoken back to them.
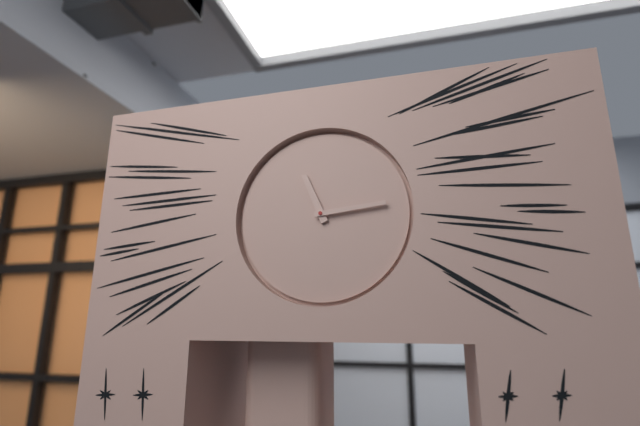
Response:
11.14
